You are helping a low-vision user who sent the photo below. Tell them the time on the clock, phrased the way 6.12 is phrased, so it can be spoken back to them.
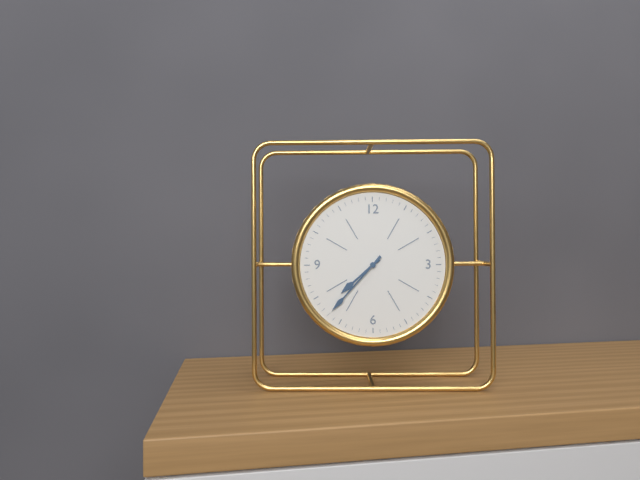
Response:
7.37
